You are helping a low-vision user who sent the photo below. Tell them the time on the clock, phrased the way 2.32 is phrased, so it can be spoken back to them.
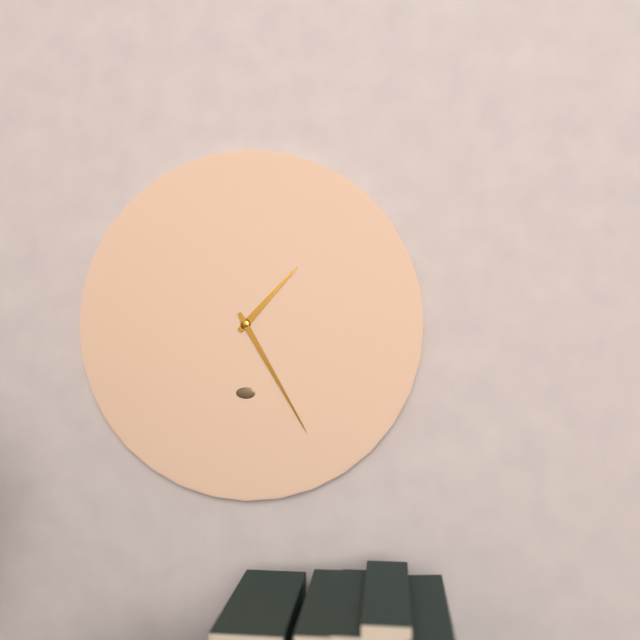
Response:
1.25
